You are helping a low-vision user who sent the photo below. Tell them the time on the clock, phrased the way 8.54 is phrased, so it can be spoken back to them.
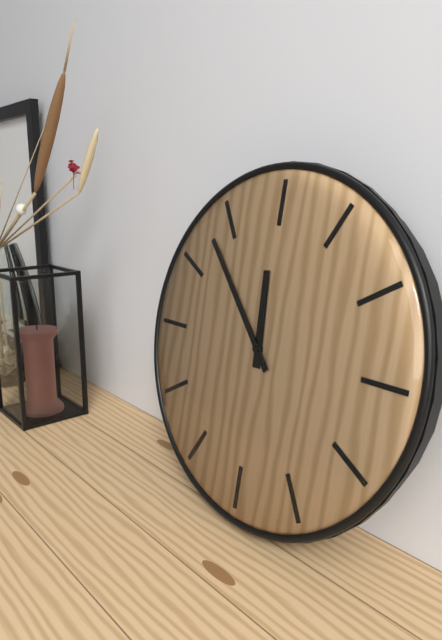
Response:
11.53
